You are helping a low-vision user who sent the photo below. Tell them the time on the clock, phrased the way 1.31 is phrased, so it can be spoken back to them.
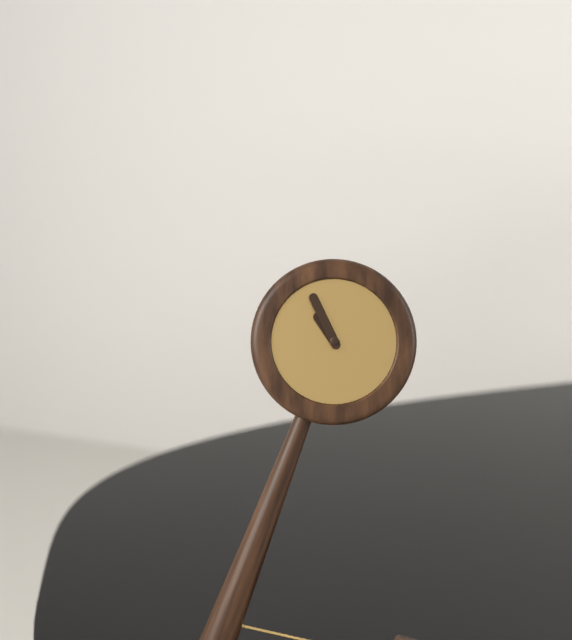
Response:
10.56
